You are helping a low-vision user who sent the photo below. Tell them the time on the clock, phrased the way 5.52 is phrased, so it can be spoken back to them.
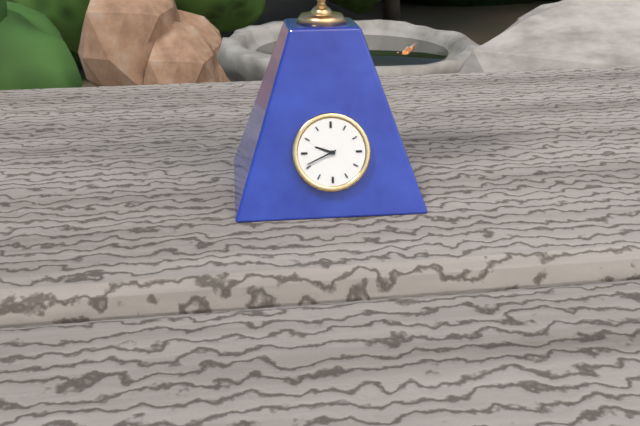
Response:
9.41
